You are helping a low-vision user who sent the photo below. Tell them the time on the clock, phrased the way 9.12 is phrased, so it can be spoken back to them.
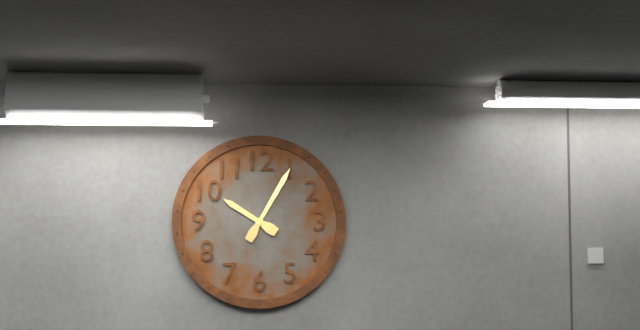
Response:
10.05
